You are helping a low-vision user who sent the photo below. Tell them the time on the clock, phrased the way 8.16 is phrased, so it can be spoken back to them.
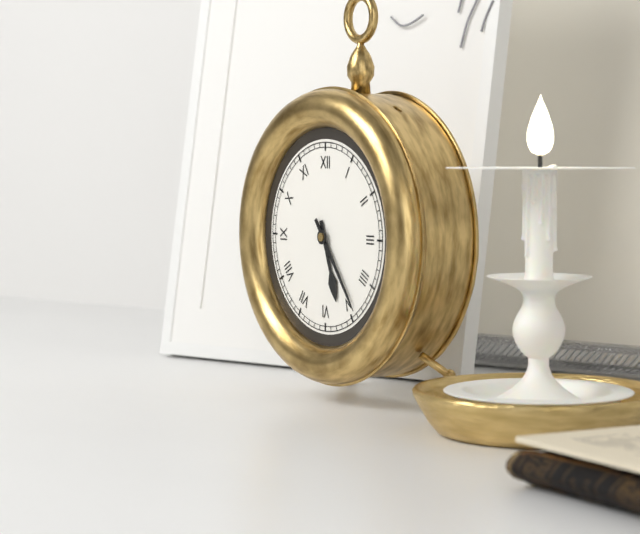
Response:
5.24
